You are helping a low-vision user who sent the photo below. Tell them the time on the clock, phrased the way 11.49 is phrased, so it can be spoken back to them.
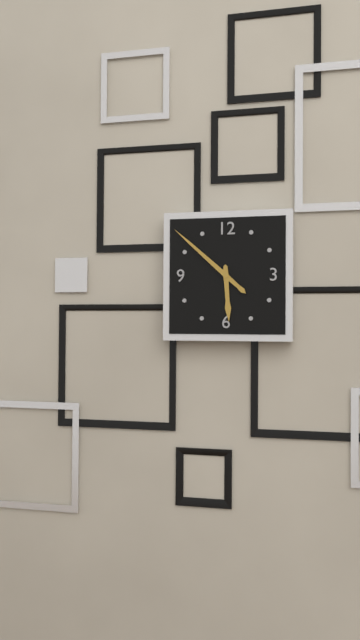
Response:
5.52
